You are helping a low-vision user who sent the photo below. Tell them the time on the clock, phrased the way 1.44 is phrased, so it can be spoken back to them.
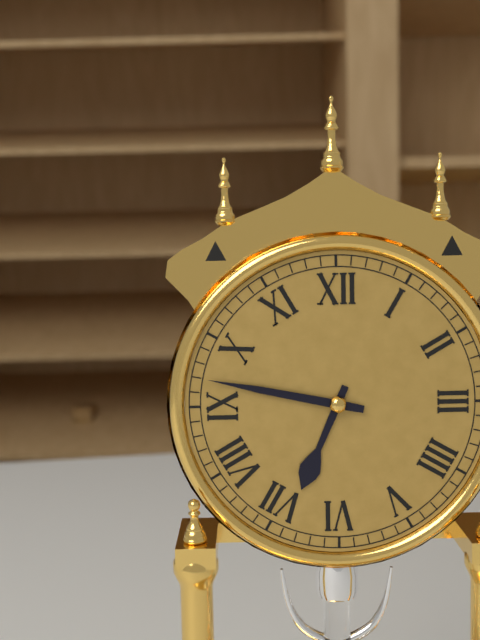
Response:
6.47
